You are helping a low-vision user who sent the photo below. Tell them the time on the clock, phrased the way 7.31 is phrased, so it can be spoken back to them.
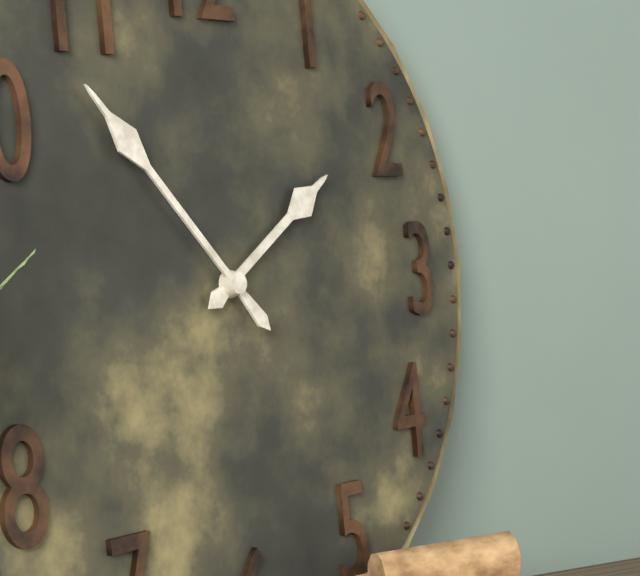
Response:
1.53
